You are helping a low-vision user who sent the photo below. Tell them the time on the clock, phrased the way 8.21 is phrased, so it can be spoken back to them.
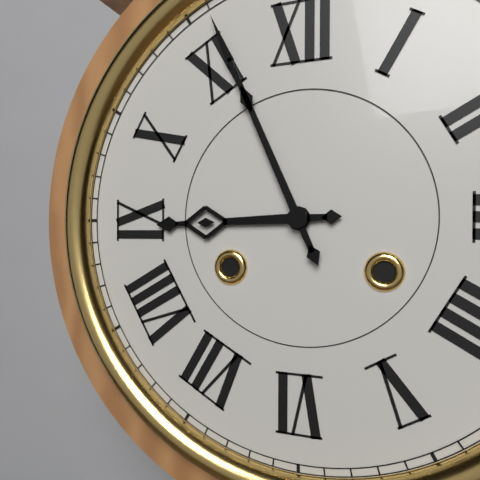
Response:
8.56
